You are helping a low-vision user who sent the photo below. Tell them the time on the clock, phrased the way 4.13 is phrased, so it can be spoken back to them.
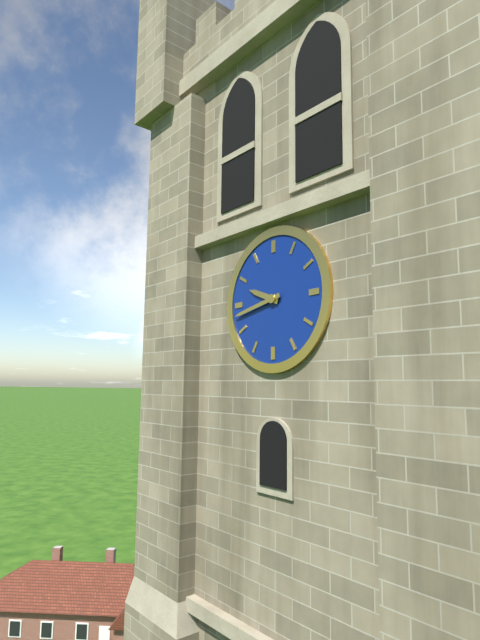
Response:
9.43
